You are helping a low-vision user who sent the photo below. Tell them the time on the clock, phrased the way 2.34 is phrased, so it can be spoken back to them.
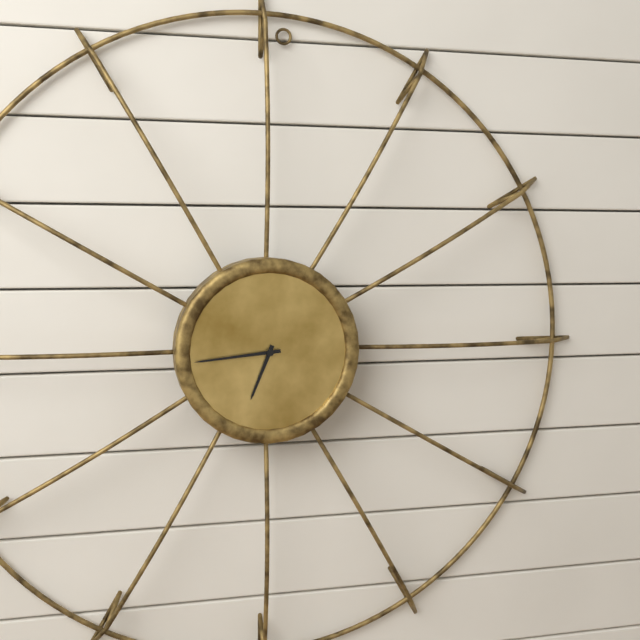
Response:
6.44
